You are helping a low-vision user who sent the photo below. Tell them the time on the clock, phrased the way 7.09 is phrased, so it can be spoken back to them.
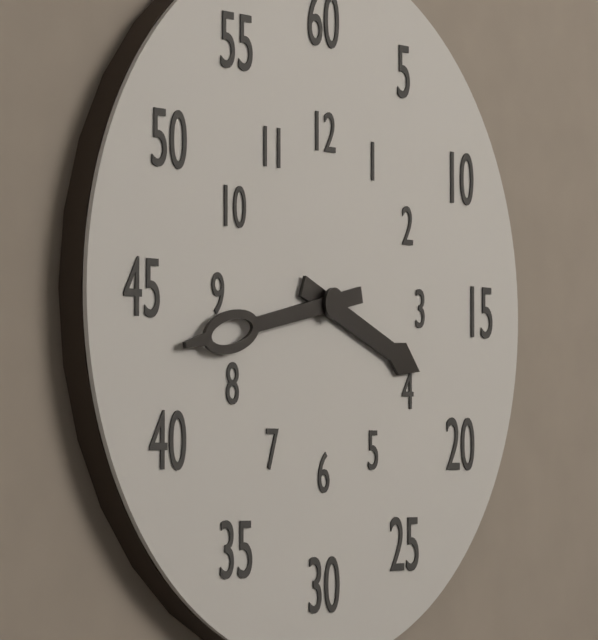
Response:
3.43
